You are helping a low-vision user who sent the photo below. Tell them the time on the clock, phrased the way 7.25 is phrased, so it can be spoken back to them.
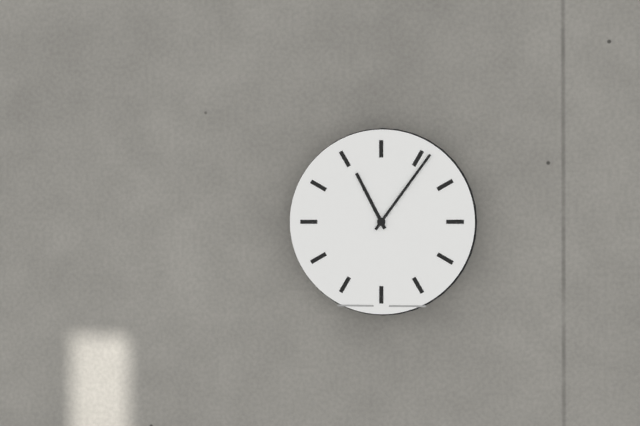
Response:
11.06
